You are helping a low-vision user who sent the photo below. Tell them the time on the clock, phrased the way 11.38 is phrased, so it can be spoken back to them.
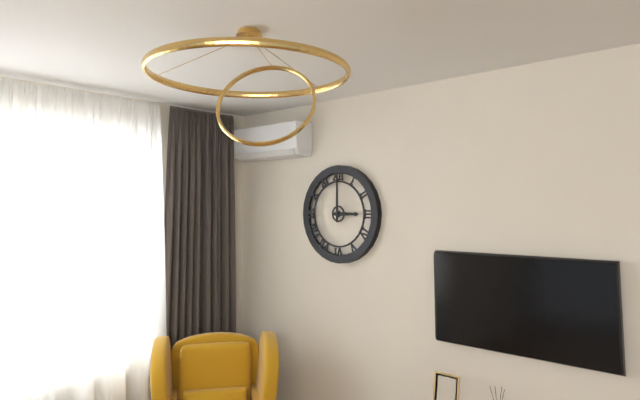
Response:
3.00
